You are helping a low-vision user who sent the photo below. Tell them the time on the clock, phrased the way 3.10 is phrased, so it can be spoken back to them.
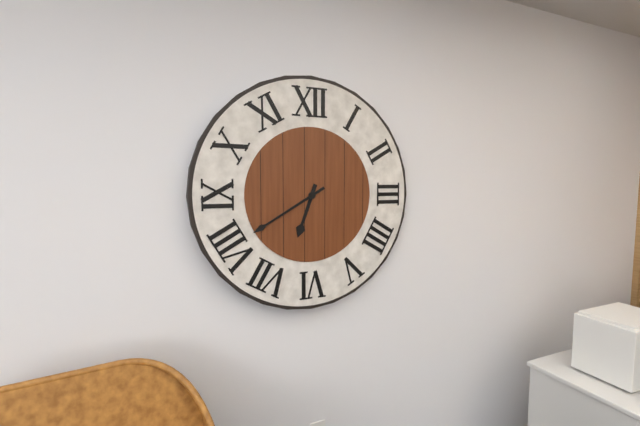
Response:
6.40
